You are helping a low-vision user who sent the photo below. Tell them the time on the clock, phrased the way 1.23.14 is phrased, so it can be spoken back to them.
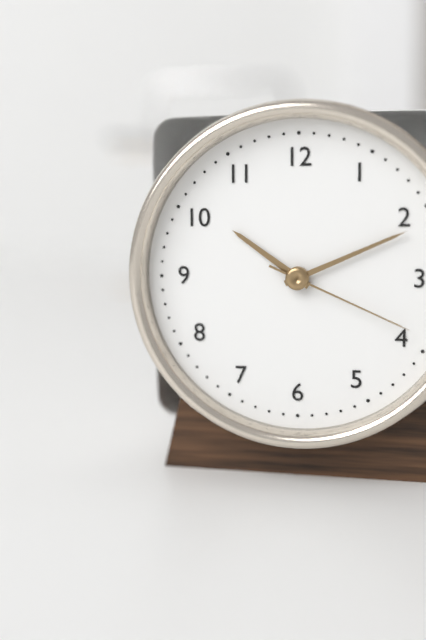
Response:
10.11.19
